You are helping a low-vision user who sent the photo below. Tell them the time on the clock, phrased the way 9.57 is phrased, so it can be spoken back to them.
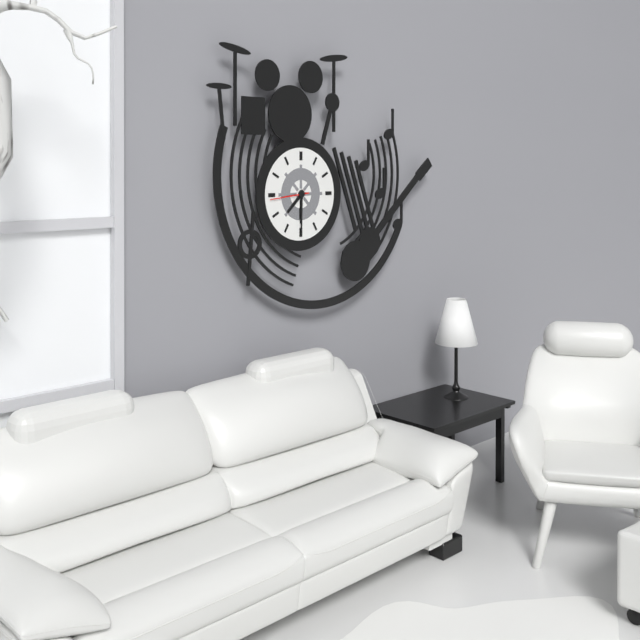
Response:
7.30
